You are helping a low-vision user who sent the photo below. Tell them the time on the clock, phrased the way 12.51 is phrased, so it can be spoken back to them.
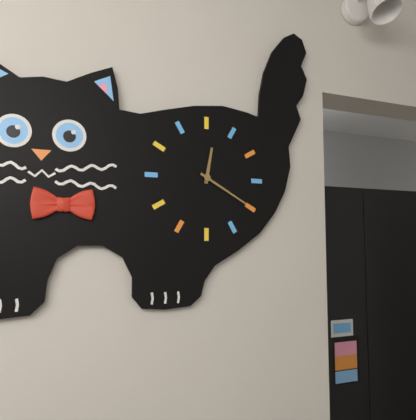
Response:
12.20
